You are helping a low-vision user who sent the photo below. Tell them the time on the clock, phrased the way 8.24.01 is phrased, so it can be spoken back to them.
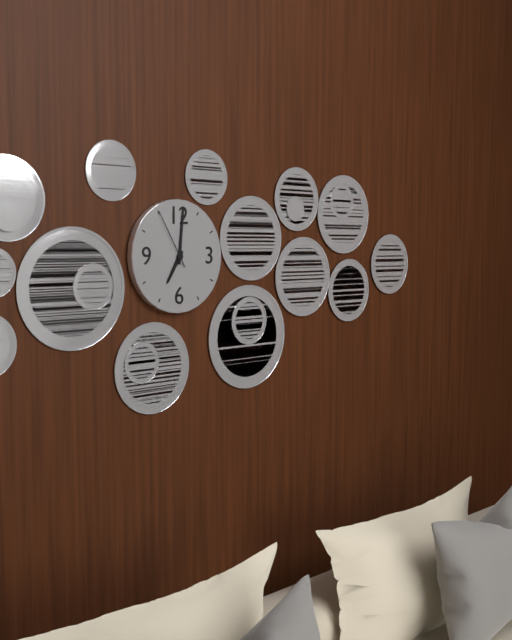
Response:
7.01.55
